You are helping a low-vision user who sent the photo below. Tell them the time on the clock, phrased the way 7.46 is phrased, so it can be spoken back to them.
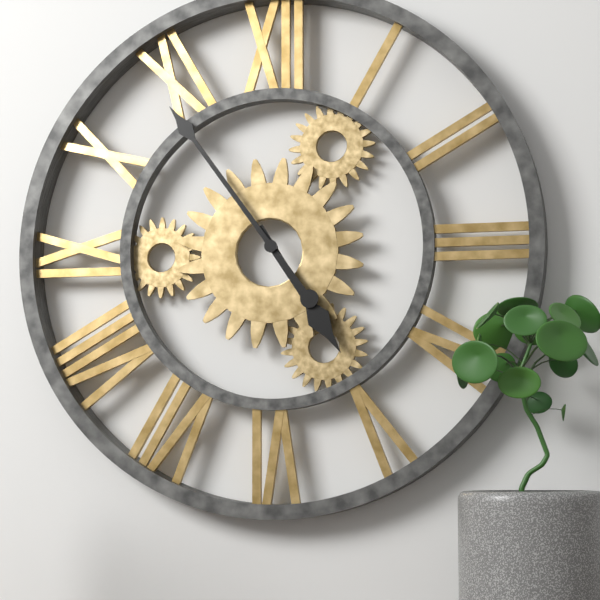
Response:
4.54
